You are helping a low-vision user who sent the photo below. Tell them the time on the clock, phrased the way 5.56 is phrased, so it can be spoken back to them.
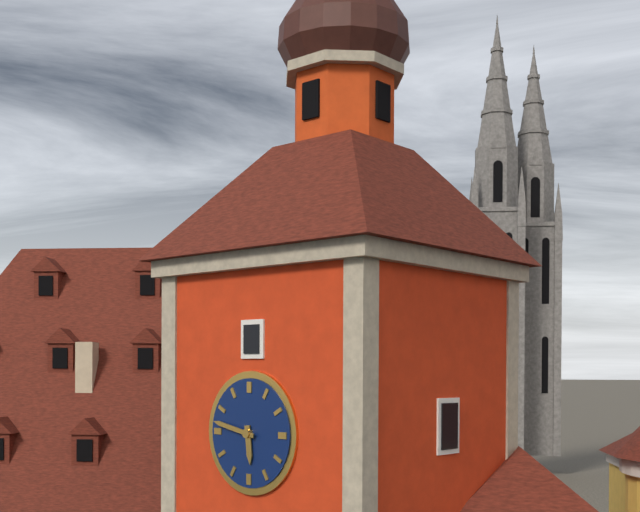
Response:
5.47
